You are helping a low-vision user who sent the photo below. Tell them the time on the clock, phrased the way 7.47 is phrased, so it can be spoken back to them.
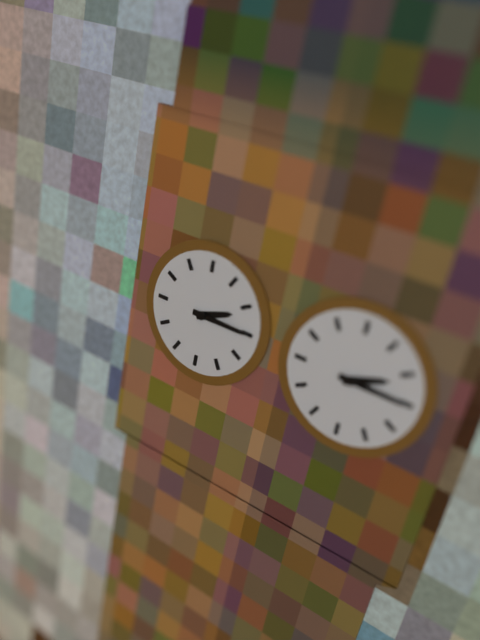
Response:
2.15
